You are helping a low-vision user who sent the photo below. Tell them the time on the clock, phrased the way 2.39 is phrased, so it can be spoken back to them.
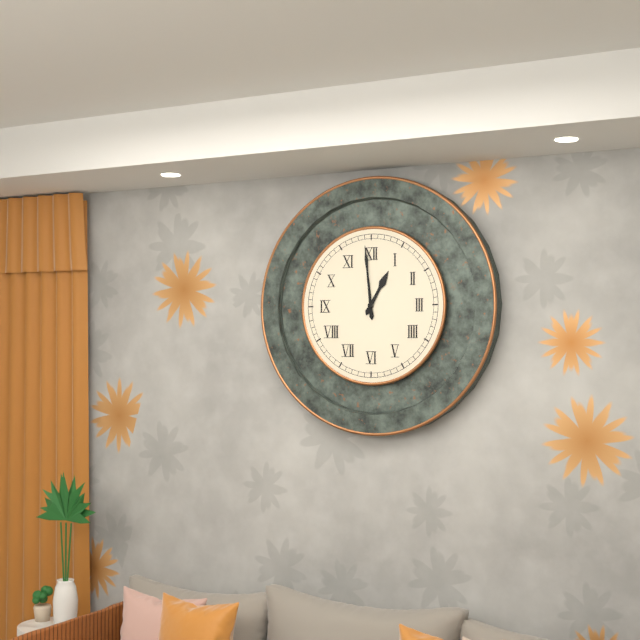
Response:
12.59
